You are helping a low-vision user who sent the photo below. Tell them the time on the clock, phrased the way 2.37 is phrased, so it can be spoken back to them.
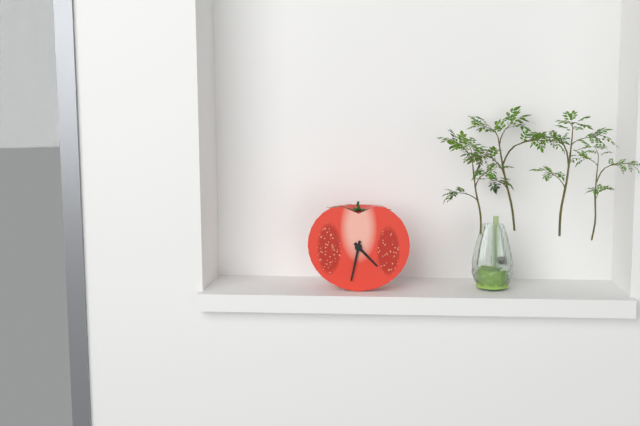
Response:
4.32
